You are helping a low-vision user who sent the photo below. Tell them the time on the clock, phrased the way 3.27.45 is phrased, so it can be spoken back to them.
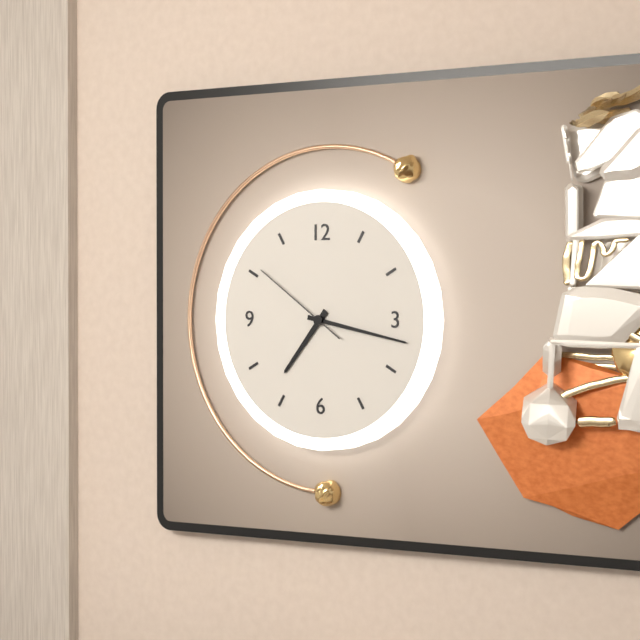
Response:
7.17.51
